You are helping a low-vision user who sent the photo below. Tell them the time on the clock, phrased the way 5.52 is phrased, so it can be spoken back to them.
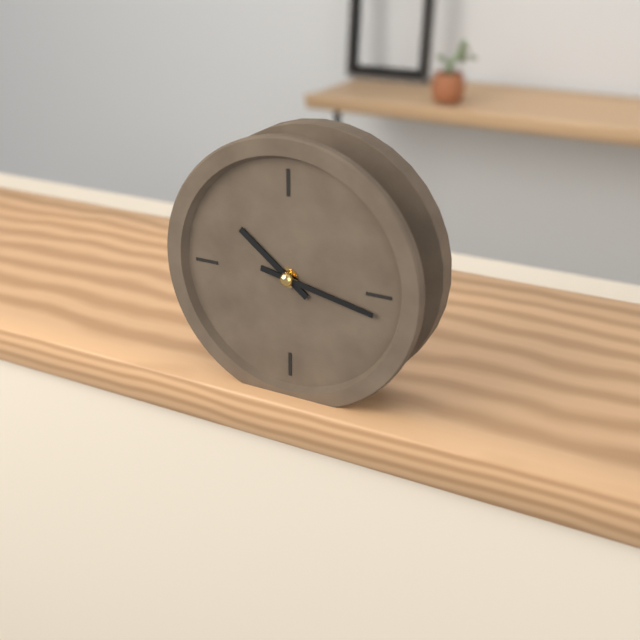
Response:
10.17
